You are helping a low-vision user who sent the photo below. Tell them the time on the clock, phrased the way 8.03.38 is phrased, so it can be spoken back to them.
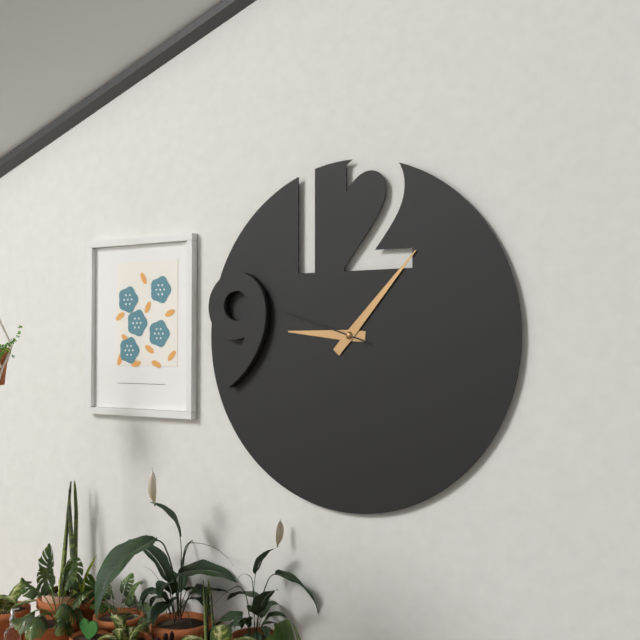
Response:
9.07.48
